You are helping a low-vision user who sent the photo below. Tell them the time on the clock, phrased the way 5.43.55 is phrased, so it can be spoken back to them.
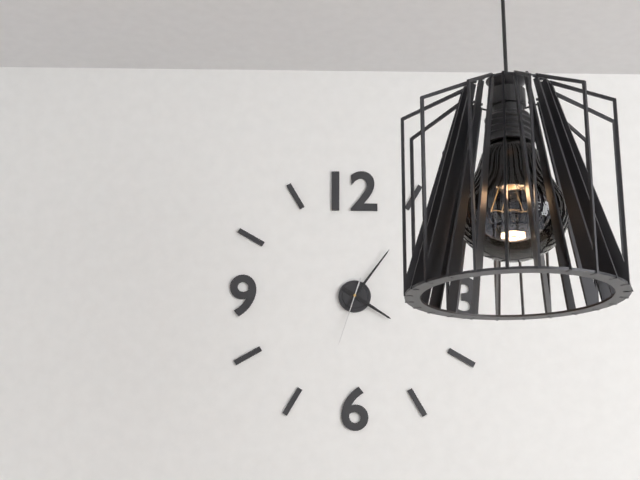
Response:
4.06.33
